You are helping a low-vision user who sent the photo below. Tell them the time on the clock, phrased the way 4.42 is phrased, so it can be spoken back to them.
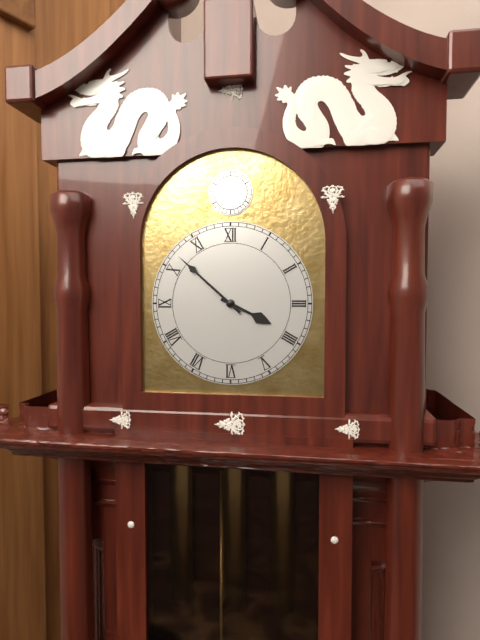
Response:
3.52
